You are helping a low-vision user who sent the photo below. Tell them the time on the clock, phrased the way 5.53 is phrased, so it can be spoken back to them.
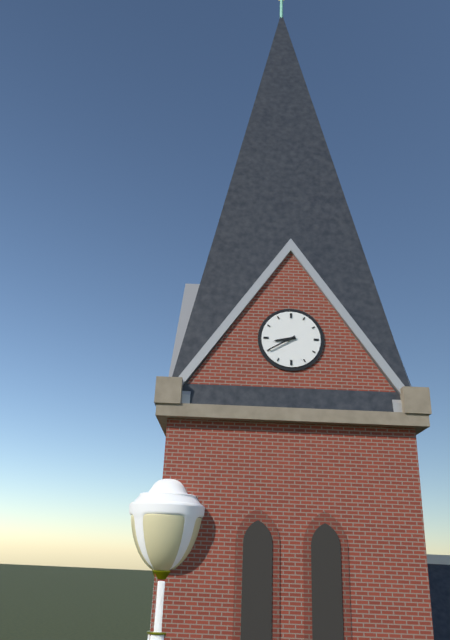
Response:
8.40
